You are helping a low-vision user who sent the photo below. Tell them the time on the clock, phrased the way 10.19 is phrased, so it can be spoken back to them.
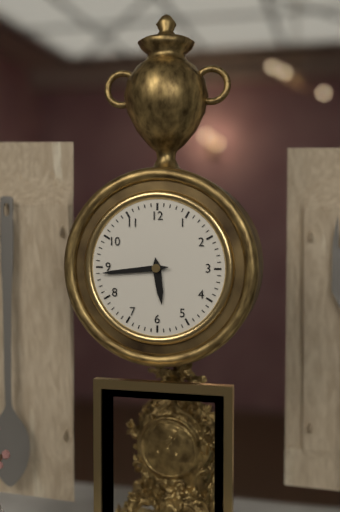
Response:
5.44
